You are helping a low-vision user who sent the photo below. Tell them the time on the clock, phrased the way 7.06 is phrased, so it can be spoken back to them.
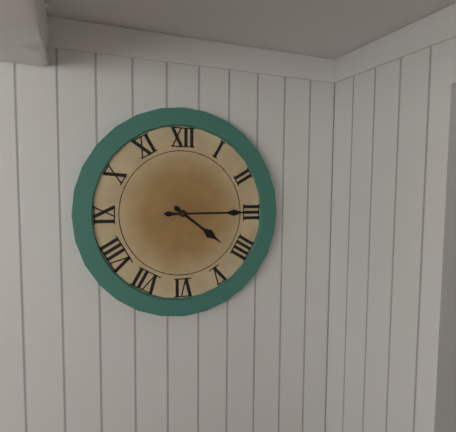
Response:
4.15
